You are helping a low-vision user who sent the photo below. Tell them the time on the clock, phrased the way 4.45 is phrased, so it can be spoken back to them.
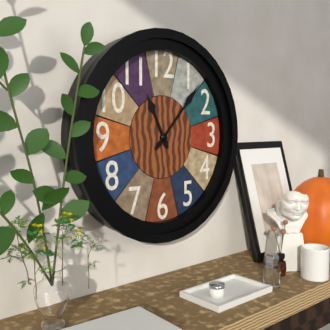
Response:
11.07
